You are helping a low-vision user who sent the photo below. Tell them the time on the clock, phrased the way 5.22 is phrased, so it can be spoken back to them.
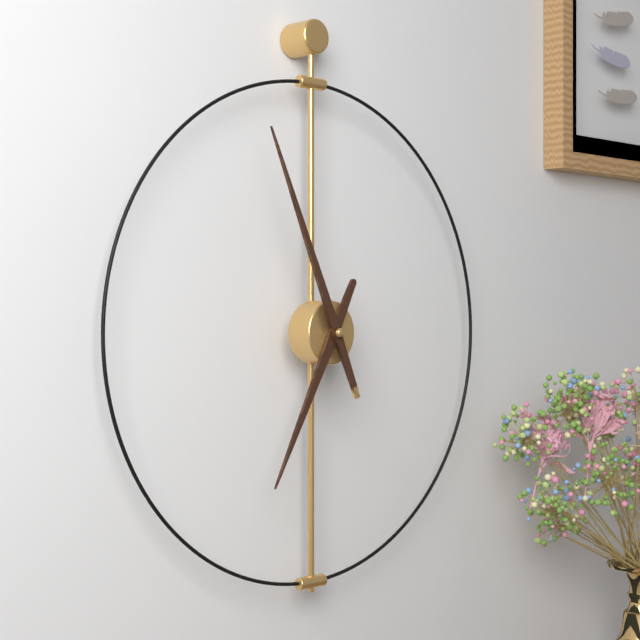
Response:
6.56
